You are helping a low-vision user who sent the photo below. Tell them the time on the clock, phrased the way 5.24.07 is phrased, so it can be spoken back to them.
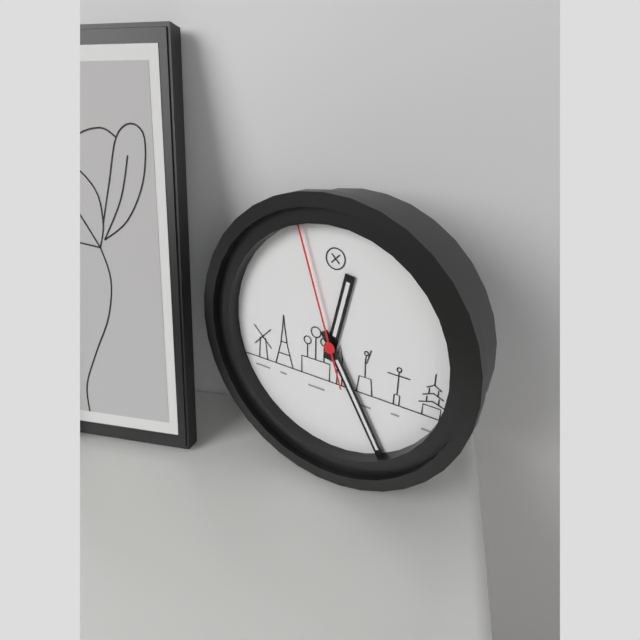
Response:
12.25.57
